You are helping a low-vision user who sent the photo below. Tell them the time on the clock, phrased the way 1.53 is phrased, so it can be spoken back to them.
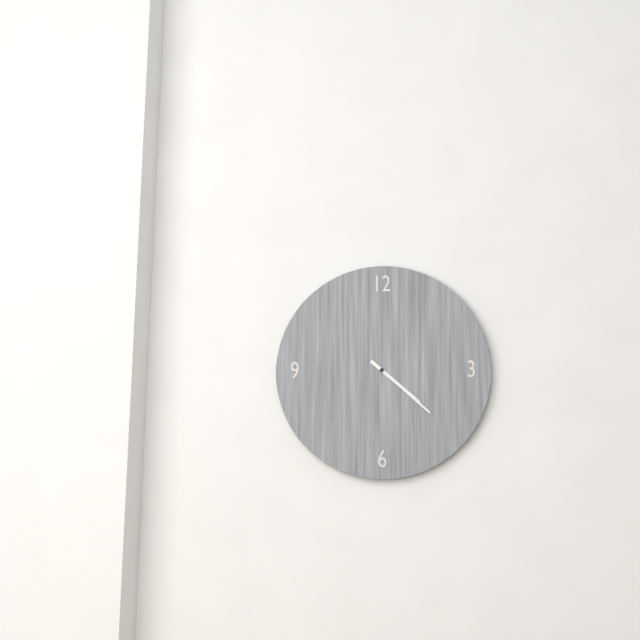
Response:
4.22
